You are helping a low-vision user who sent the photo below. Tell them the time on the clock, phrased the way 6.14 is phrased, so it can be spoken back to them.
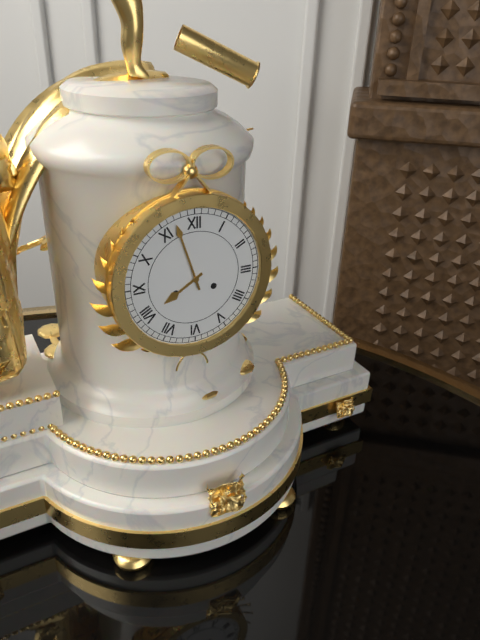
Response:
7.57
